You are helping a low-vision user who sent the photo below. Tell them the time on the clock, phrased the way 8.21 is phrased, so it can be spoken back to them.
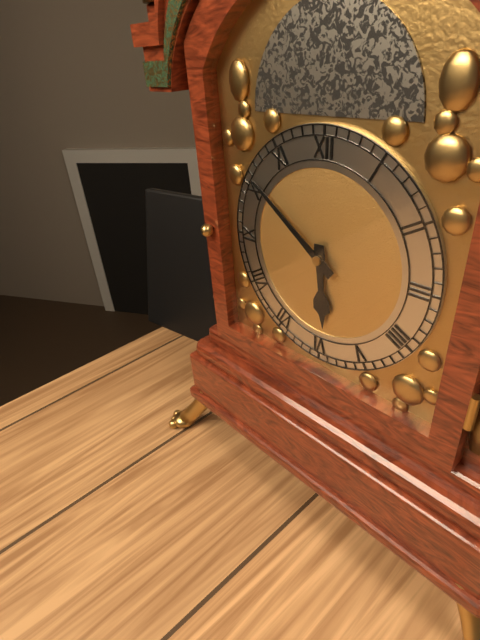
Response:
5.51
